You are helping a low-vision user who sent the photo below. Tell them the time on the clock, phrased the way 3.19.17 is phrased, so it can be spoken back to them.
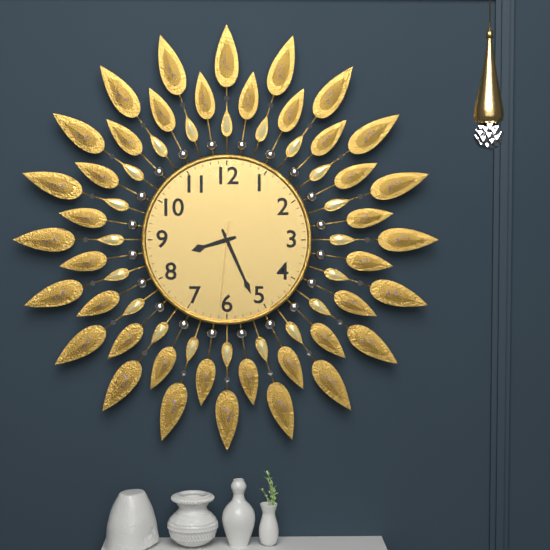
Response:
8.26.31
